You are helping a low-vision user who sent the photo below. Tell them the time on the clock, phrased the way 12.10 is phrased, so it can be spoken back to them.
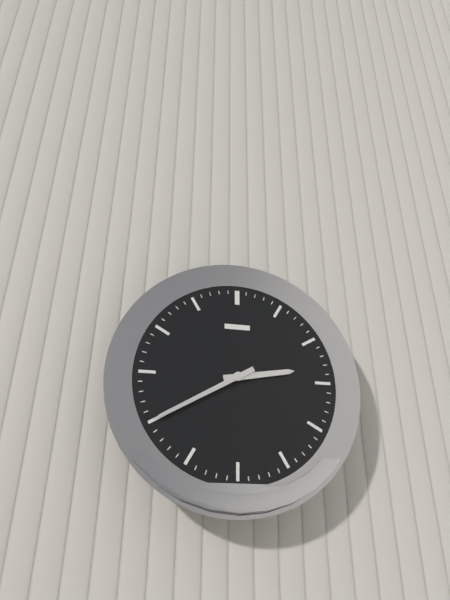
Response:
2.40
